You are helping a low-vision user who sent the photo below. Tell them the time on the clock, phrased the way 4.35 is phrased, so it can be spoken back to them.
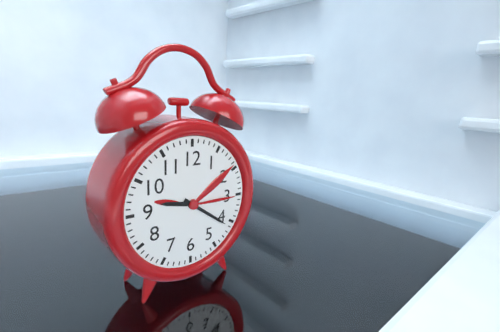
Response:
9.21
